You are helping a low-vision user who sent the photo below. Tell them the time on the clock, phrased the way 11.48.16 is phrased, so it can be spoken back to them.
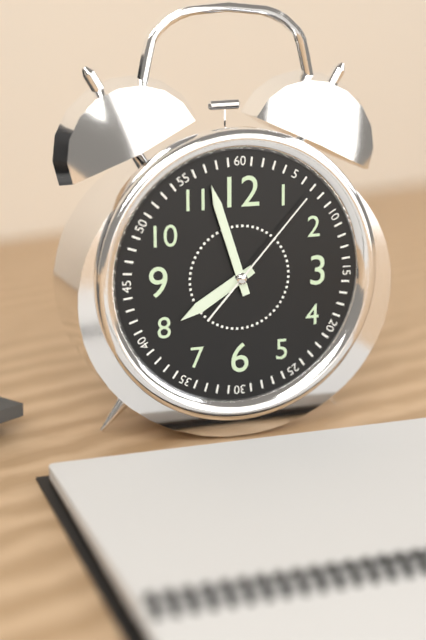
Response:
7.57.07
